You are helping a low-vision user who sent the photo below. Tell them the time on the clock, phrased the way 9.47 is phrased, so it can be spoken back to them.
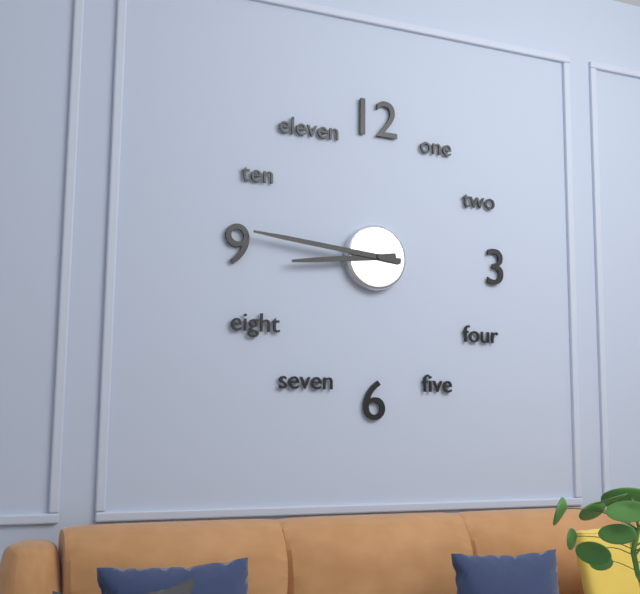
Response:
8.46
